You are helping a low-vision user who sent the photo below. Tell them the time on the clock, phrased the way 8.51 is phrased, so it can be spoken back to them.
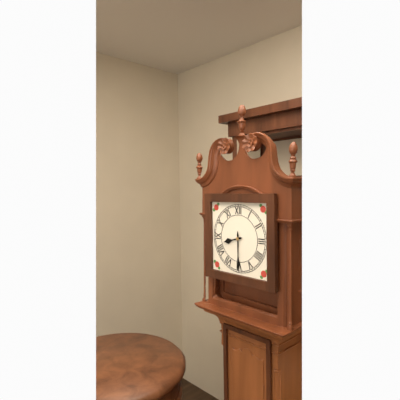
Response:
8.30
